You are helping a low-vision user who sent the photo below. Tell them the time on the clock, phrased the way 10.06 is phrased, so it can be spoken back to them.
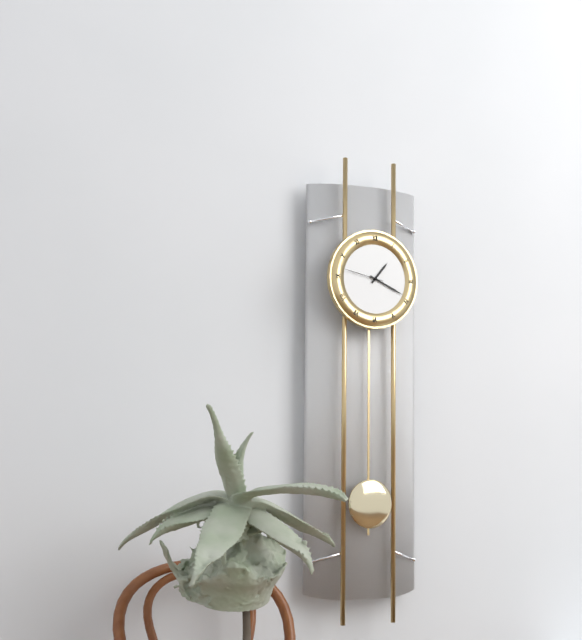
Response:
1.19
